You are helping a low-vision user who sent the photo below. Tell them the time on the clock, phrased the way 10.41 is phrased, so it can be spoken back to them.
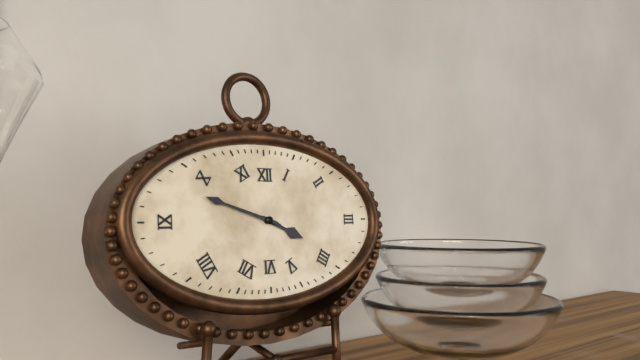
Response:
3.48
